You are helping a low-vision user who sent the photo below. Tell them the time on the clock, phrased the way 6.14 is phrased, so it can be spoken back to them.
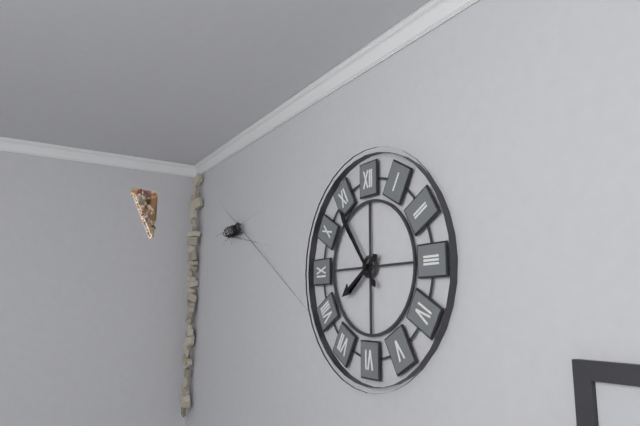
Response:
7.54
